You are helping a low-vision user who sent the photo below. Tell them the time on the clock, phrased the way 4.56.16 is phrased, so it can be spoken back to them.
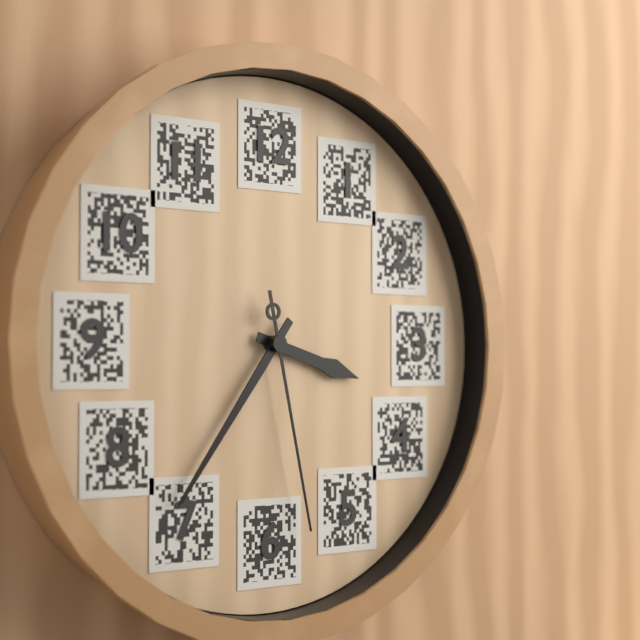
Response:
3.36.28
